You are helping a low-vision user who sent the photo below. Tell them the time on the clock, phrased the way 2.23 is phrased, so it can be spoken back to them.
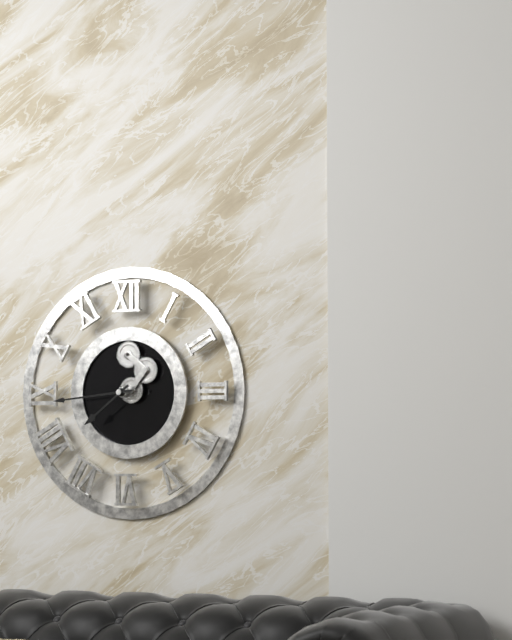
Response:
7.44
